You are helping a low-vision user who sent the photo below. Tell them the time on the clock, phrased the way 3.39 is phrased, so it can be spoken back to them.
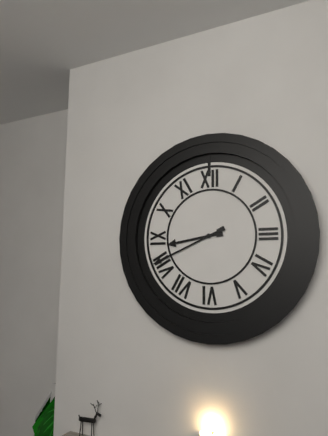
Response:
8.41
